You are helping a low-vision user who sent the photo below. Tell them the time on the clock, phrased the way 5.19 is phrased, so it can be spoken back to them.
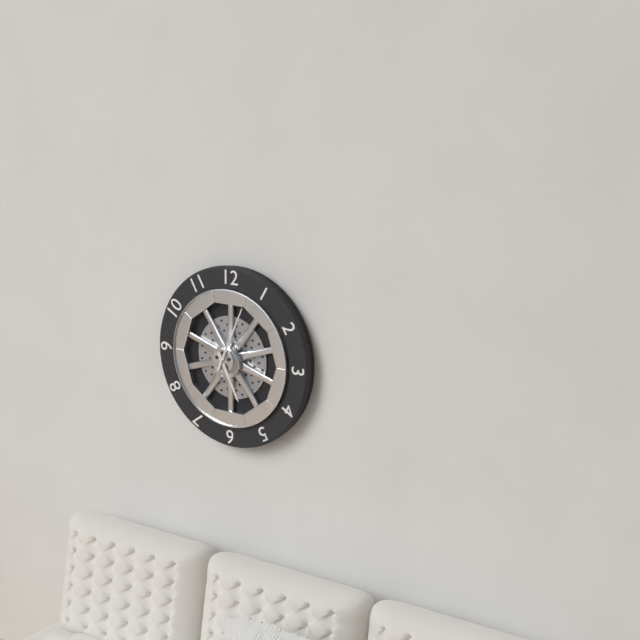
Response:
5.04
